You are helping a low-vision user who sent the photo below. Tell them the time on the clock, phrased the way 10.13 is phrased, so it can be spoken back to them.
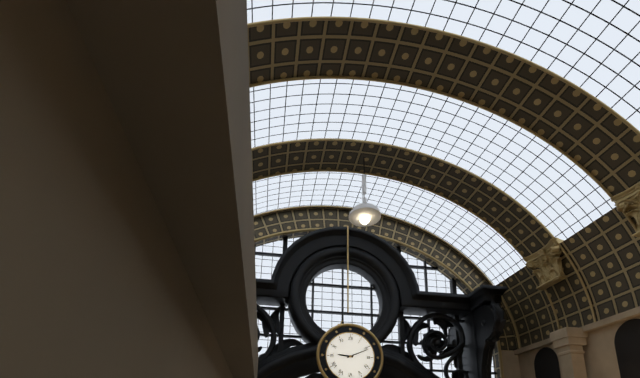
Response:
9.11
